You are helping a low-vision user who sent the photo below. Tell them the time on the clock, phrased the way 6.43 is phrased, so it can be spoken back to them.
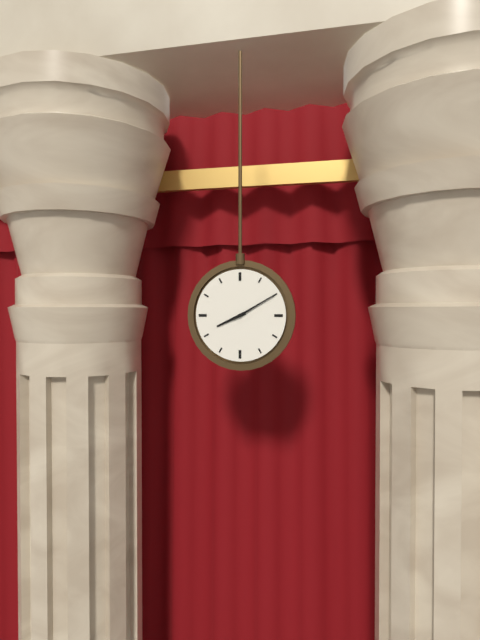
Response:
8.10
